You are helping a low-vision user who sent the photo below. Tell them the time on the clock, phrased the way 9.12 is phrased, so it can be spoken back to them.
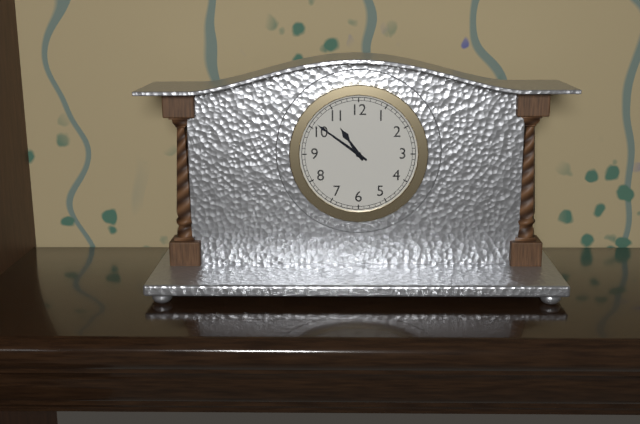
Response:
10.51
